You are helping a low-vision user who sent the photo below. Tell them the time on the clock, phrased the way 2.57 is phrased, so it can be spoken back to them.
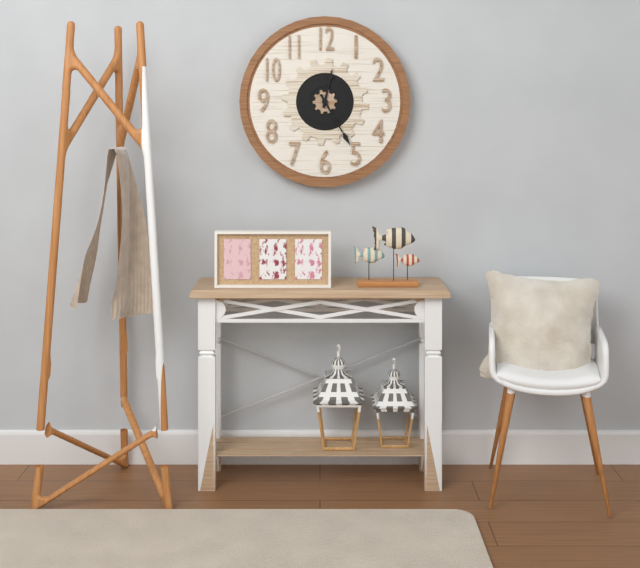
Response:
12.25
